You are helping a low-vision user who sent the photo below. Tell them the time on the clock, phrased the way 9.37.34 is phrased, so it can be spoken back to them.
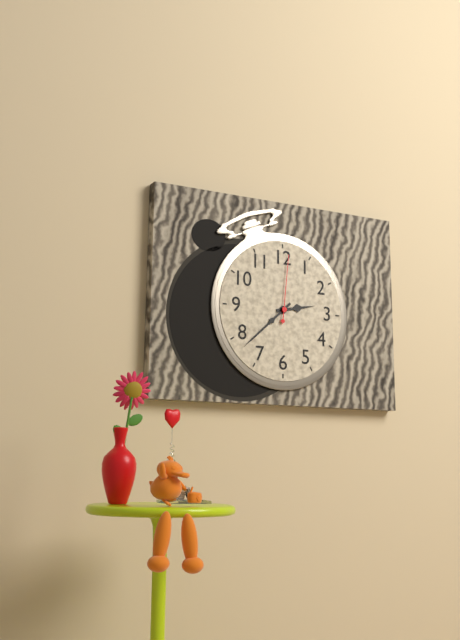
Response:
2.38.01
